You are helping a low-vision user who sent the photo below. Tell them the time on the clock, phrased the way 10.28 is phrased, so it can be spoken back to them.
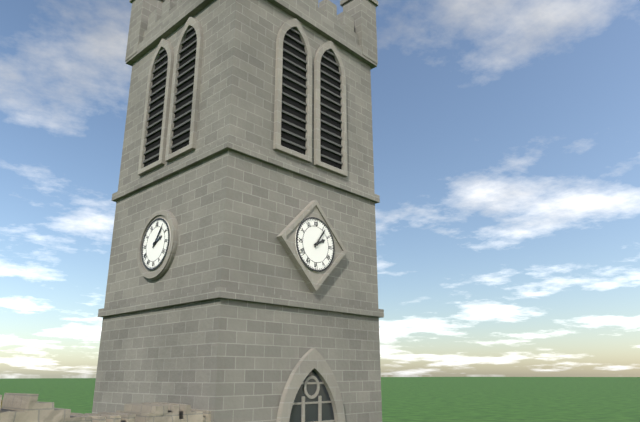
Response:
2.06
